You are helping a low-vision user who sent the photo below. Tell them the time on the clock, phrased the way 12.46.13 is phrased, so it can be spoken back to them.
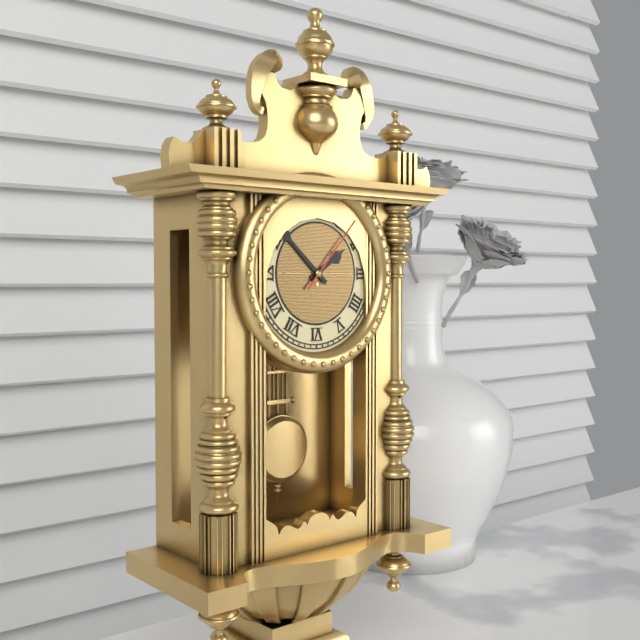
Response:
1.52.07
